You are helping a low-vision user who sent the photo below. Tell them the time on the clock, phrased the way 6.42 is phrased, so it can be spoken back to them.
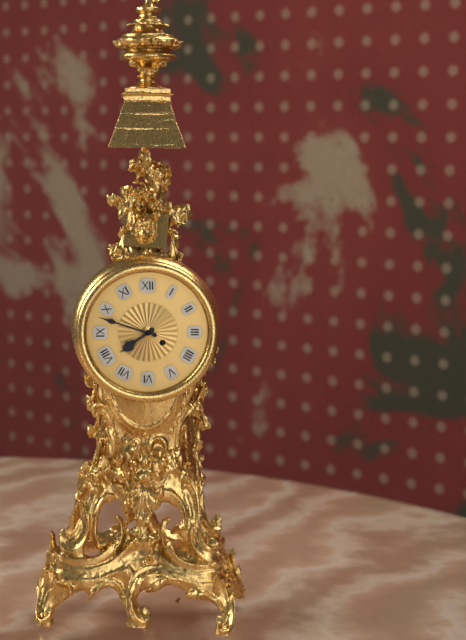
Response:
7.48
